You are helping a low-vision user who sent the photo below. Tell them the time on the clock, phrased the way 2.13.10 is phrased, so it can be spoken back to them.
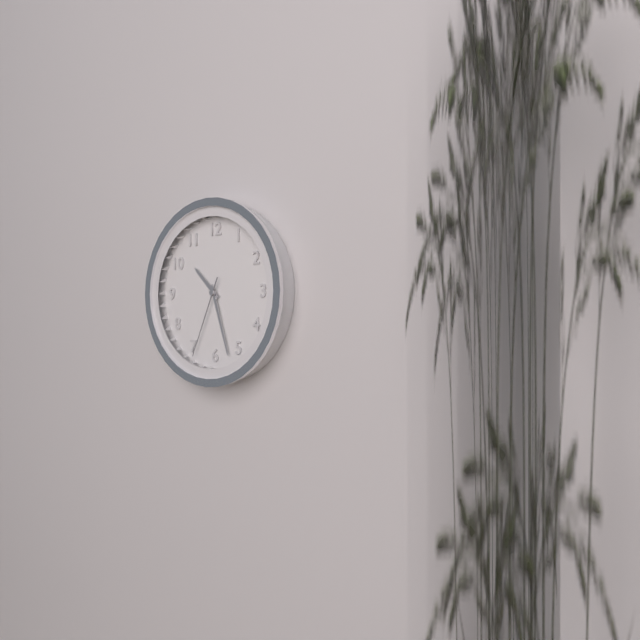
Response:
10.27.34
